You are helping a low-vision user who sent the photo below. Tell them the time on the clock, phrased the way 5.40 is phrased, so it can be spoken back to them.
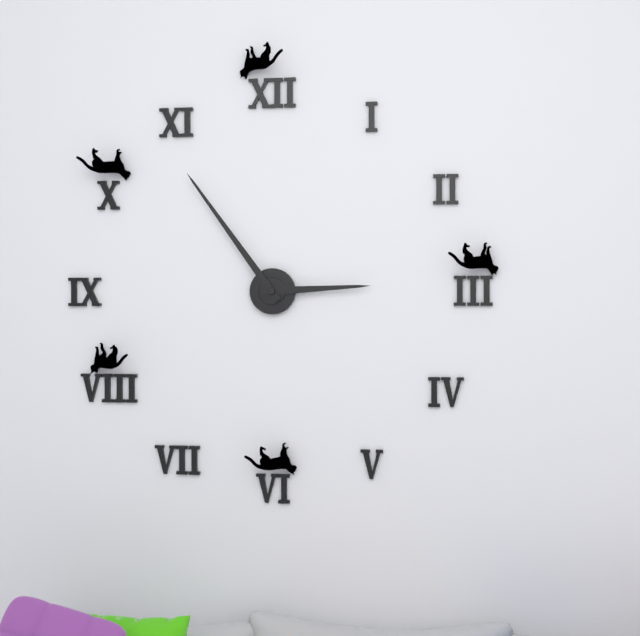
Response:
2.54
